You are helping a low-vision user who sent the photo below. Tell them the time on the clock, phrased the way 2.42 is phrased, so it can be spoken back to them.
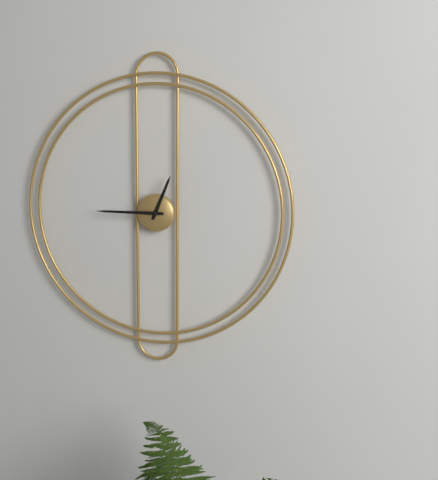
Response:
12.45
